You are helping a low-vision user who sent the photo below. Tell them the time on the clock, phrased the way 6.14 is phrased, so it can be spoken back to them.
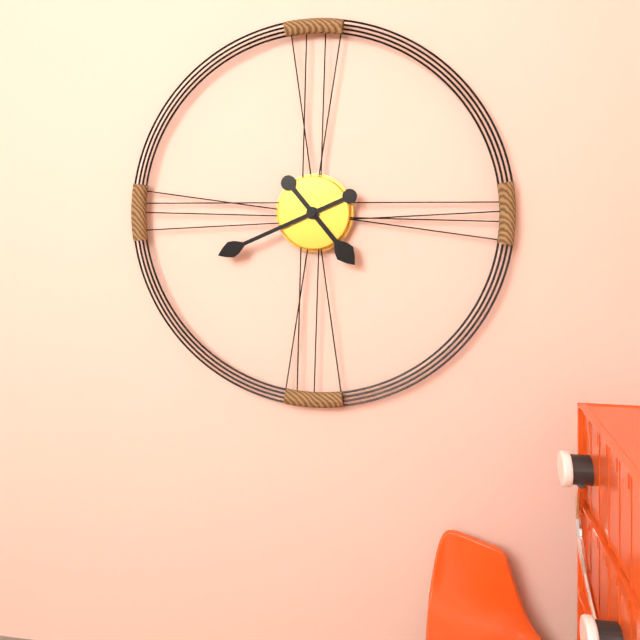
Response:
4.41
